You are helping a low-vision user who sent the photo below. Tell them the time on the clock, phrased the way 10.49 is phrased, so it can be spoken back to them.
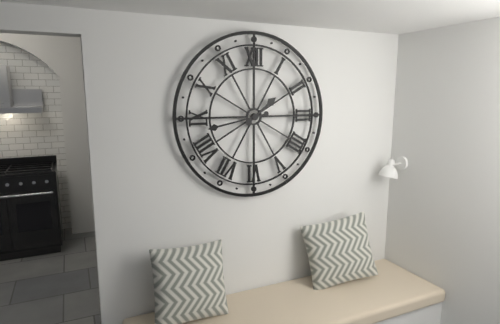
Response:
1.43
